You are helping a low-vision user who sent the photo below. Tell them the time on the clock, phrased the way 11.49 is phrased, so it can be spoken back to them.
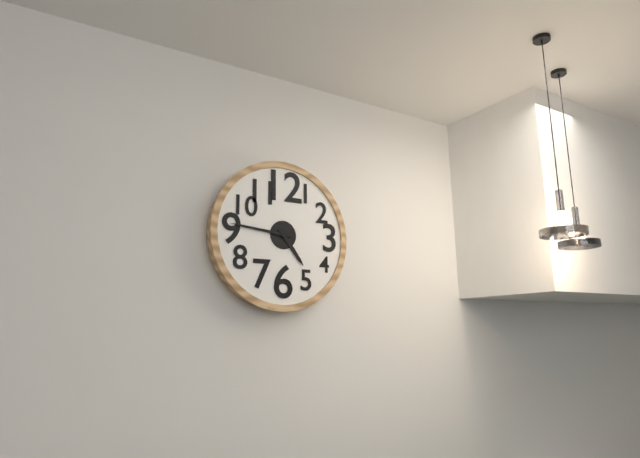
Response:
4.46
